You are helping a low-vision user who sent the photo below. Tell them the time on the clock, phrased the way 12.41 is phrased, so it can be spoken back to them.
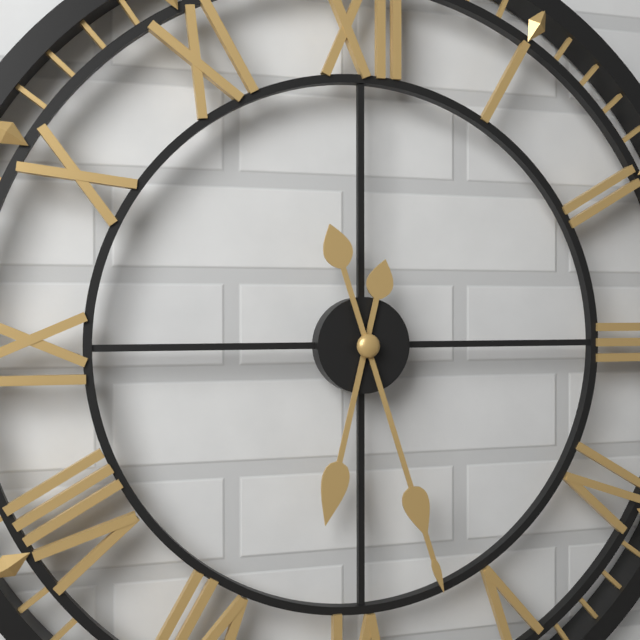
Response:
6.27
